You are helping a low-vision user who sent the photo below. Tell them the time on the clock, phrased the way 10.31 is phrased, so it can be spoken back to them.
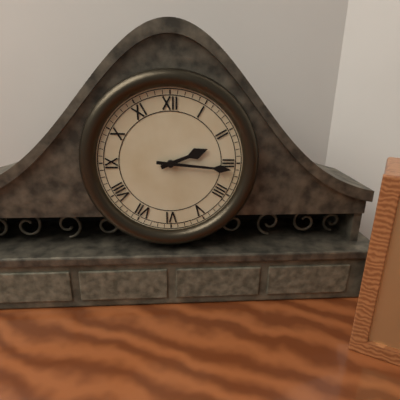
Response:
2.16
